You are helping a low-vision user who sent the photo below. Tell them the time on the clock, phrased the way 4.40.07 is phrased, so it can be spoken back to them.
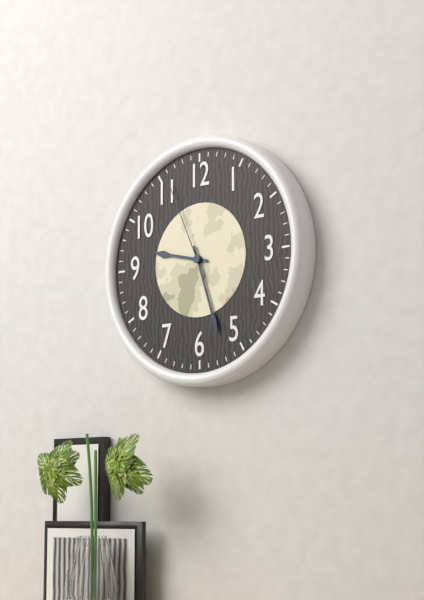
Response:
9.27.56
